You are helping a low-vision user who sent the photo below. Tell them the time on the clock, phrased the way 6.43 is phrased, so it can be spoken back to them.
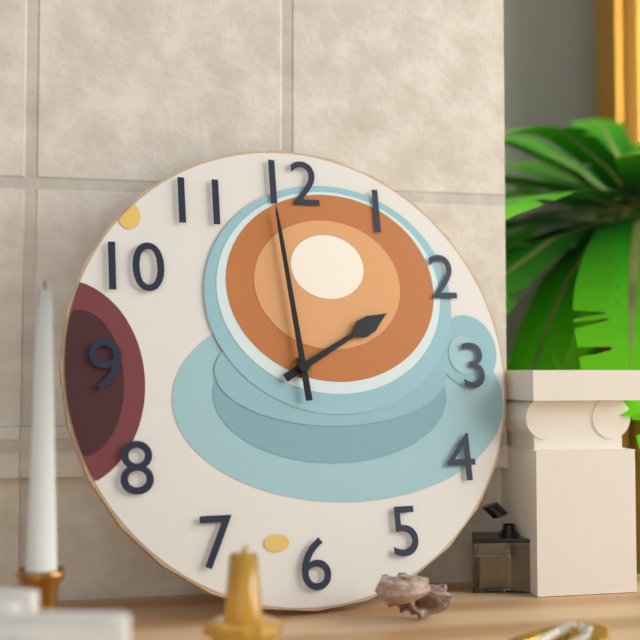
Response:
1.59
